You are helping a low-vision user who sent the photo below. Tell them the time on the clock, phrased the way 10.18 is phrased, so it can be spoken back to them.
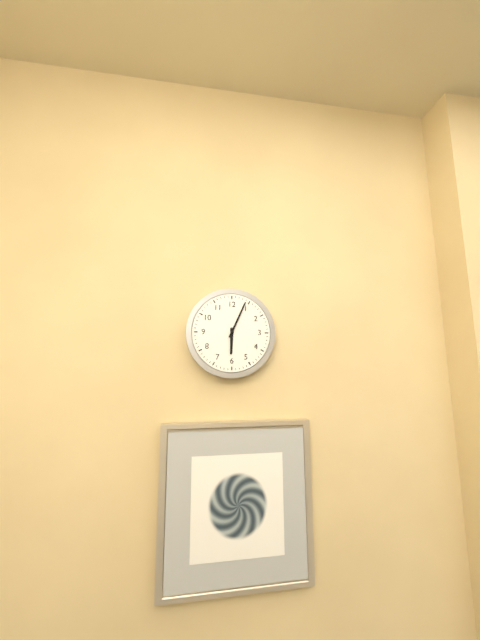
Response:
6.04
